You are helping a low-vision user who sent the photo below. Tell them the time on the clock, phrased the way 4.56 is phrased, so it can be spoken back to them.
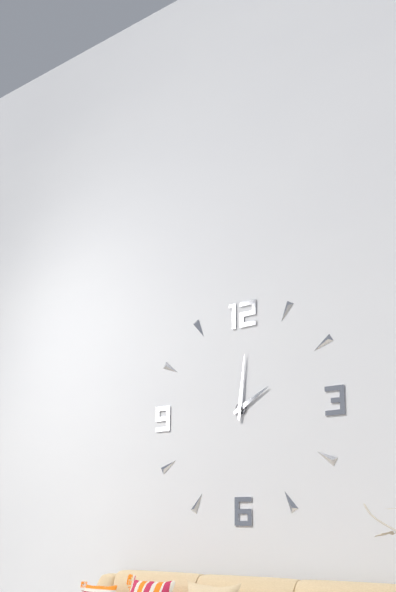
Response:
2.01
